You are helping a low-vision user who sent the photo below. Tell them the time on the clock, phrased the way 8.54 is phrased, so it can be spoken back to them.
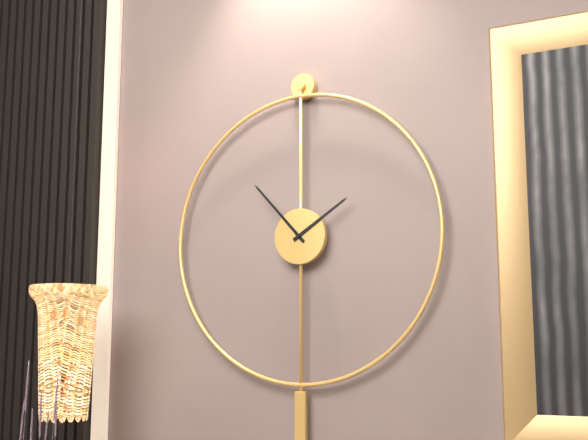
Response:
1.53
